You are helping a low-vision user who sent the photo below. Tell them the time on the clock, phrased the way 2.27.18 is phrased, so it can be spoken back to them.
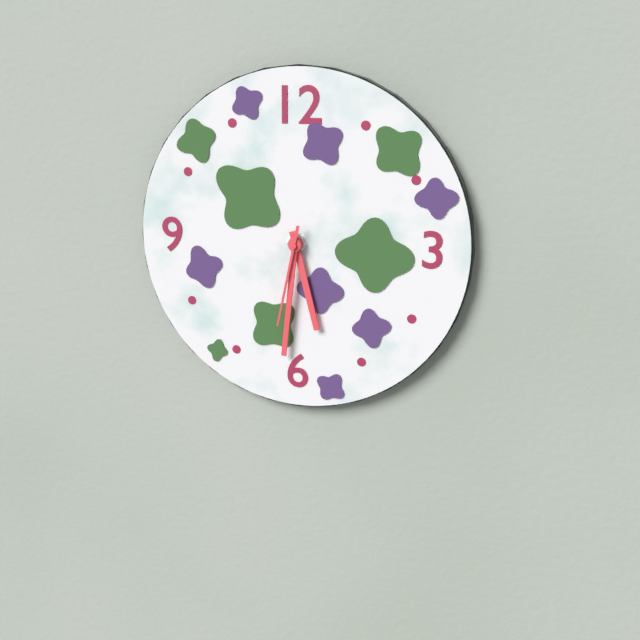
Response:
5.31.32
